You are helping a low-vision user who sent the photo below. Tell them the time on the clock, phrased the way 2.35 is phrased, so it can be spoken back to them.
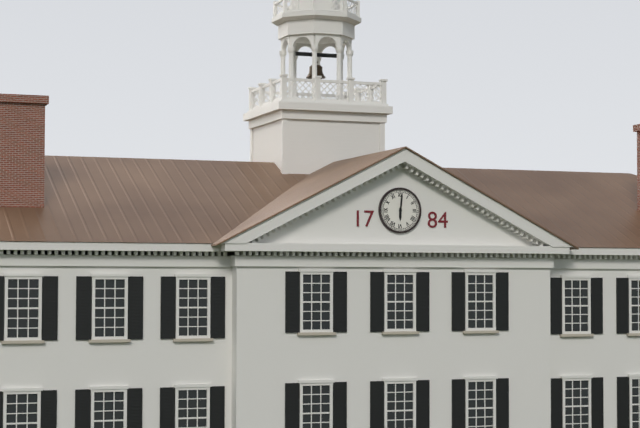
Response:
6.01
